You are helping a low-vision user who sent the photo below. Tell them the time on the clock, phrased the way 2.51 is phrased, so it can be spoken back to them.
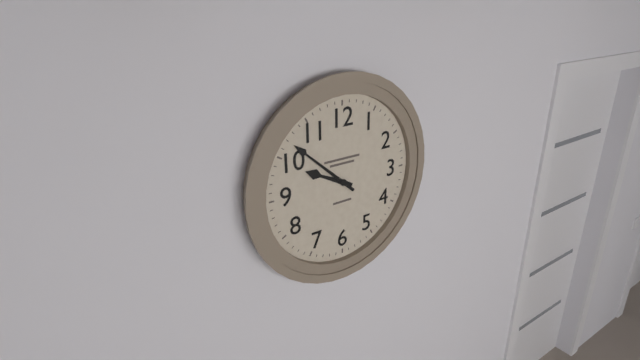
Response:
9.52
